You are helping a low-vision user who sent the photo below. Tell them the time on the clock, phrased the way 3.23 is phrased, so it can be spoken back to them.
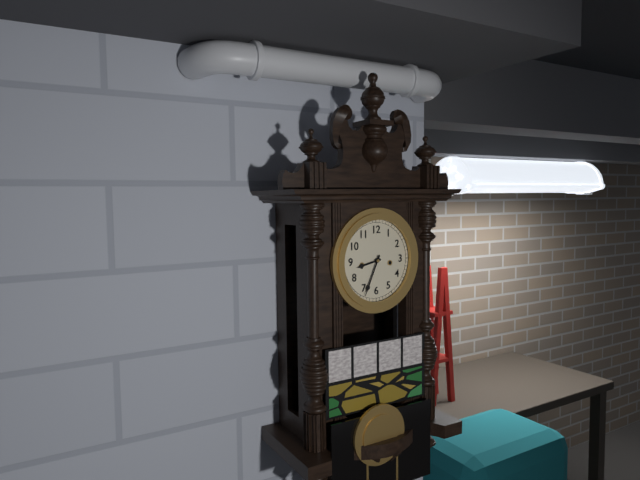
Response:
8.34
